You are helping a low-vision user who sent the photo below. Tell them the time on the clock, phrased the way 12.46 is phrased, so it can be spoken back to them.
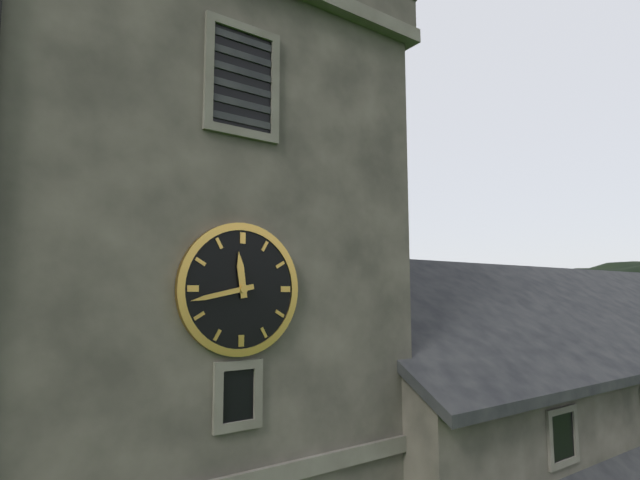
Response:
11.43
